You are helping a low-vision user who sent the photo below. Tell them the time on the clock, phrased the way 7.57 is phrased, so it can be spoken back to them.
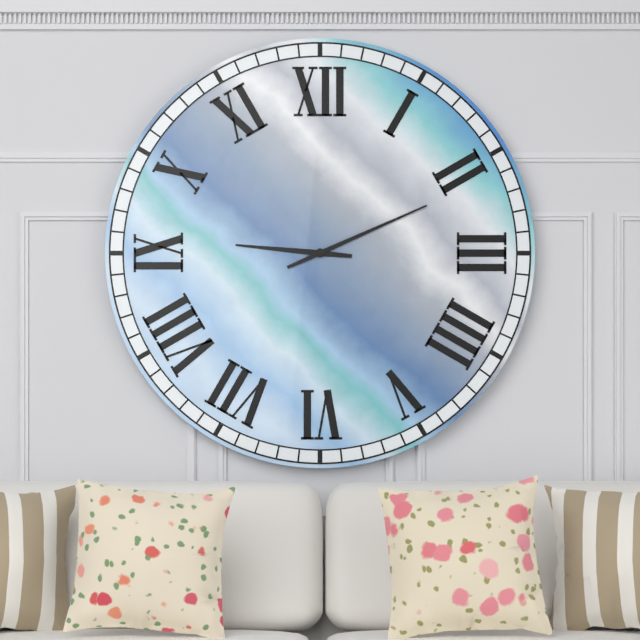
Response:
9.11
